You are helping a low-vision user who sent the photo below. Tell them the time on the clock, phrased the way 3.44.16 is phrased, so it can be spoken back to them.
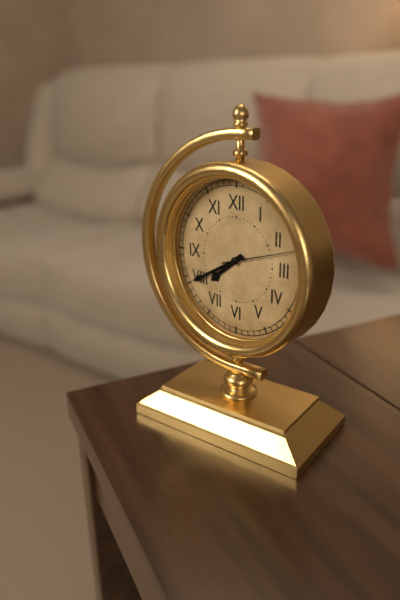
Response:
7.40.12
